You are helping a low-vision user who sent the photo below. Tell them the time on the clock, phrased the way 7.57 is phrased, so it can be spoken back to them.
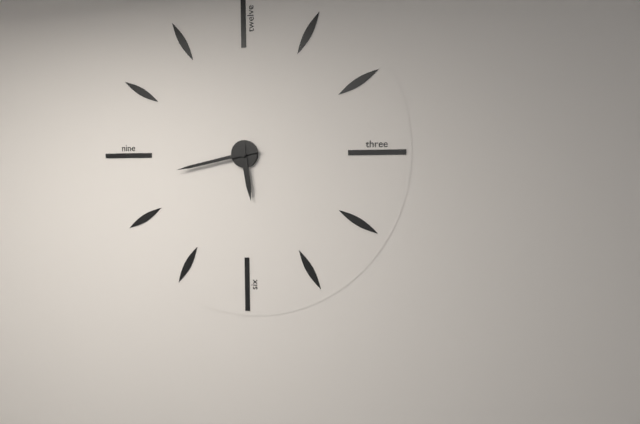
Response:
5.43
